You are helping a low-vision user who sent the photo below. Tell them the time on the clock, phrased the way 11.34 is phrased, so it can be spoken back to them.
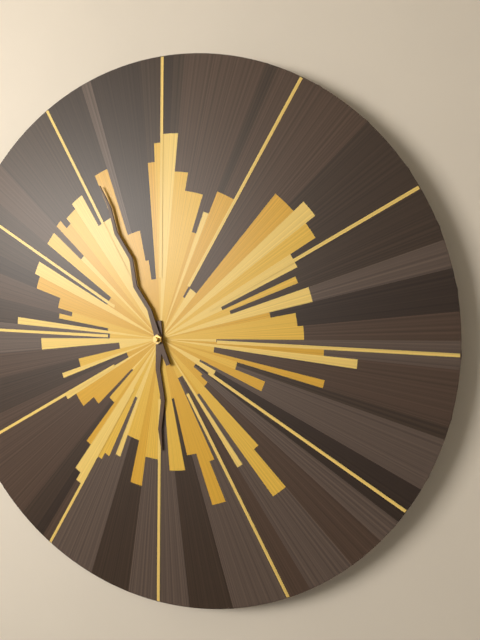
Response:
5.56
